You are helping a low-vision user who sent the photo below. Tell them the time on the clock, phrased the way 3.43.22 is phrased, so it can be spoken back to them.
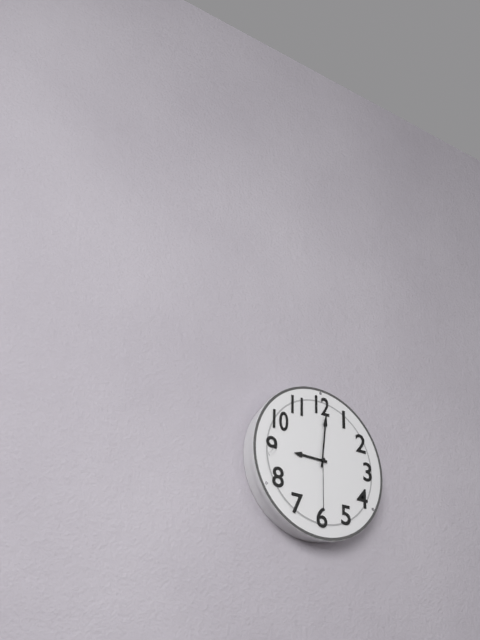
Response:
9.01.30
